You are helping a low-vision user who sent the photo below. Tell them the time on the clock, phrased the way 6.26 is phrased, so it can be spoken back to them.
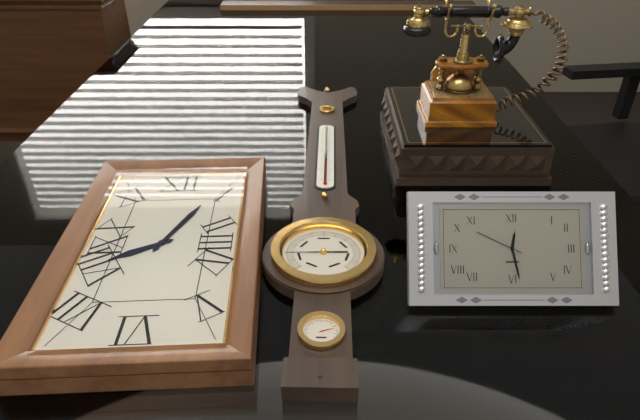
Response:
8.04
